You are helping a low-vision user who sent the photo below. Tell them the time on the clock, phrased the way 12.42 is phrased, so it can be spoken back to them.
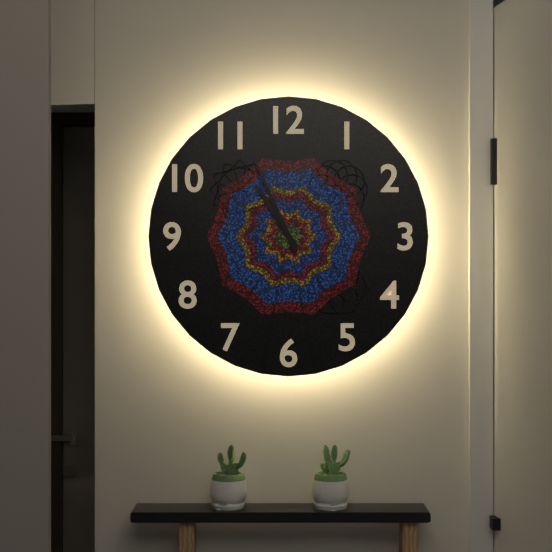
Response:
10.56
